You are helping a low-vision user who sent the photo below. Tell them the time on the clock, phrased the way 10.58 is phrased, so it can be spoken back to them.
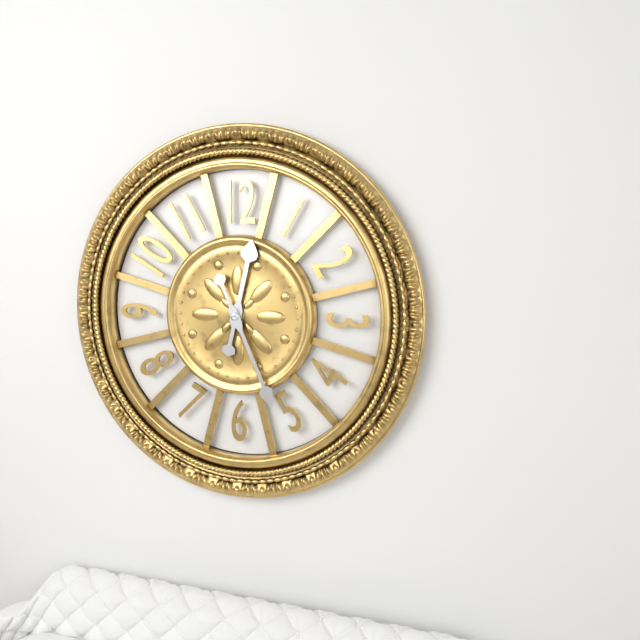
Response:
12.26
